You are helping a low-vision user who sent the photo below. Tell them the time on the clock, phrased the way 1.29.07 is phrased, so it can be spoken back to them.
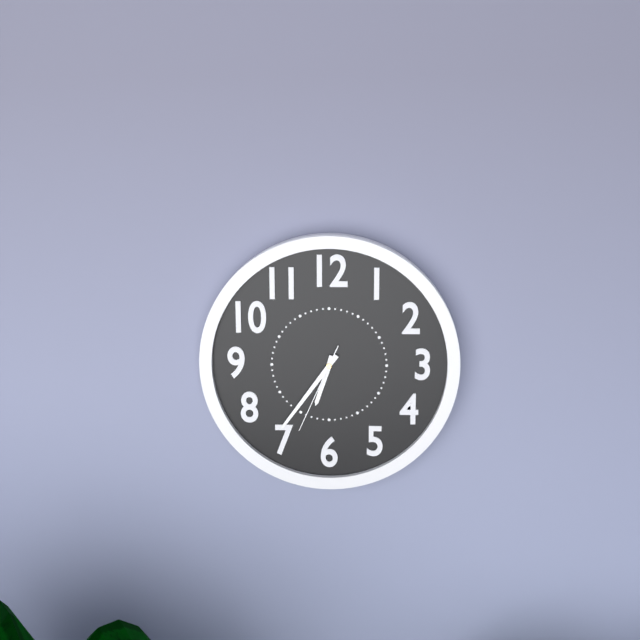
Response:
6.36.34
